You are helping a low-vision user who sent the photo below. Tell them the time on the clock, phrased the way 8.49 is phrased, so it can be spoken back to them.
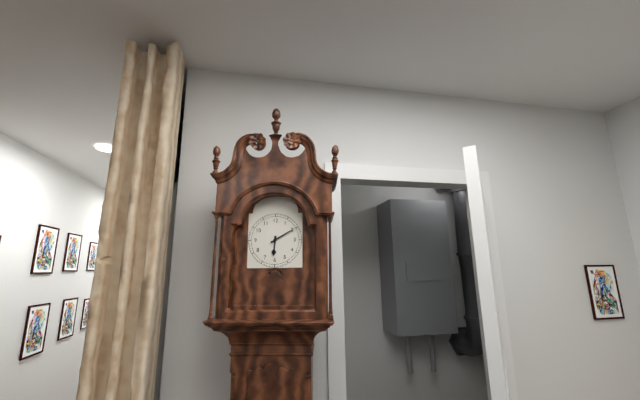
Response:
6.10
